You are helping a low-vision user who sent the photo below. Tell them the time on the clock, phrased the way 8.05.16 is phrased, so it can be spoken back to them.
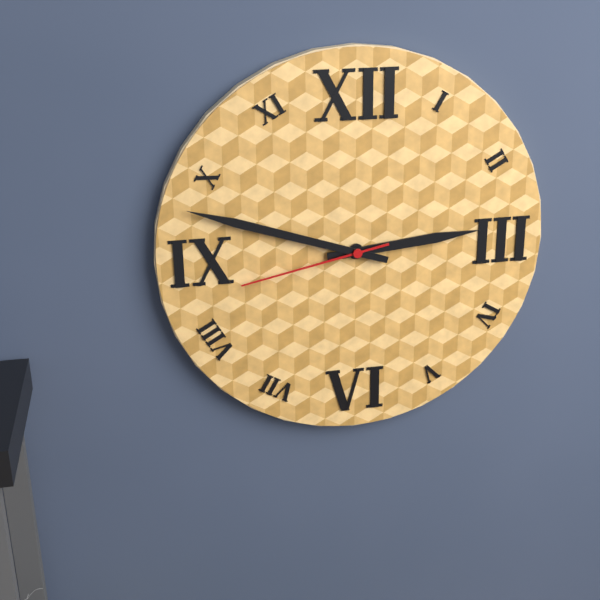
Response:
2.48.43
